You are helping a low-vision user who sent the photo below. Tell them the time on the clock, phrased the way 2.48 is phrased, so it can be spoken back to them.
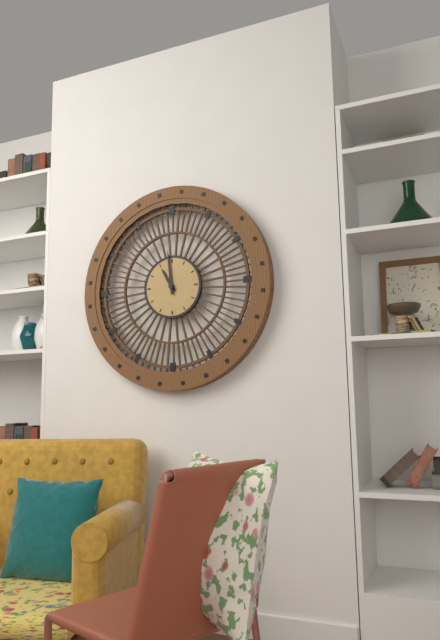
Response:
10.59
